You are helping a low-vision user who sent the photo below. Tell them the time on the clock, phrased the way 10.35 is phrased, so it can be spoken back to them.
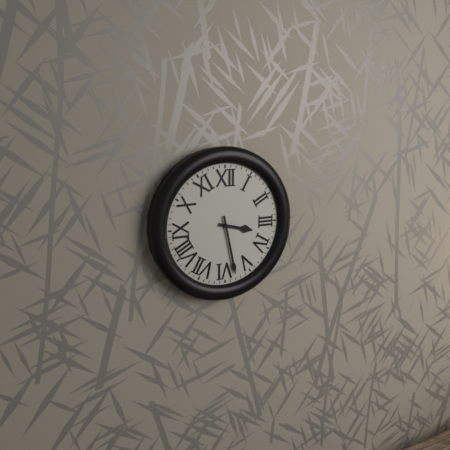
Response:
3.28
